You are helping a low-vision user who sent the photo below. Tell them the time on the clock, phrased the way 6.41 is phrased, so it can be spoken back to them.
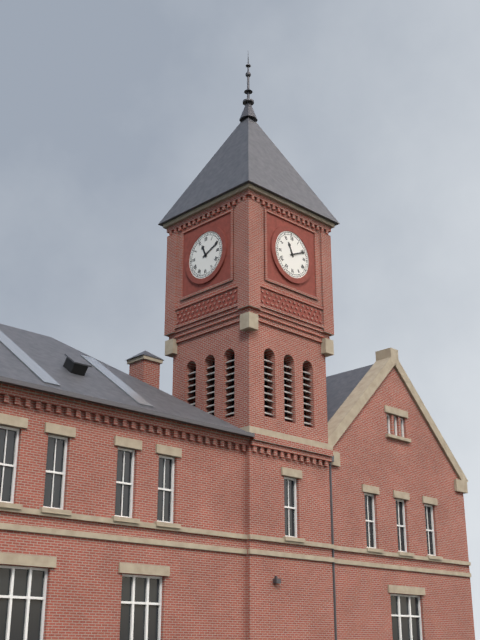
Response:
11.11
